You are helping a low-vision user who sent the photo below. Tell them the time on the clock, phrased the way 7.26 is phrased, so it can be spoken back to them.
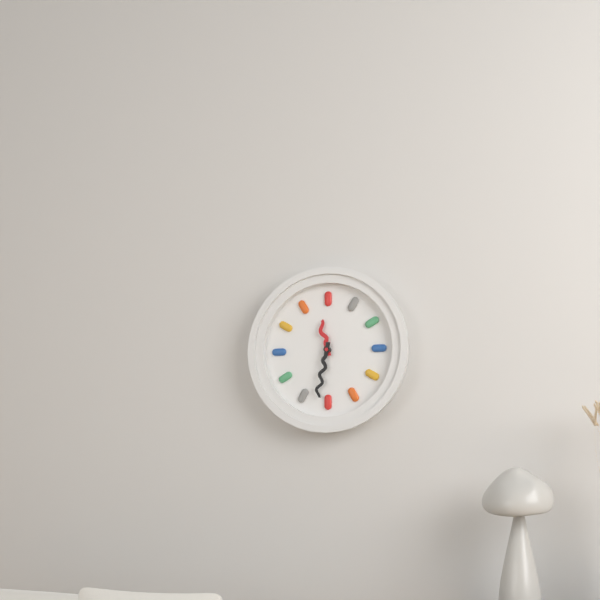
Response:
11.32
